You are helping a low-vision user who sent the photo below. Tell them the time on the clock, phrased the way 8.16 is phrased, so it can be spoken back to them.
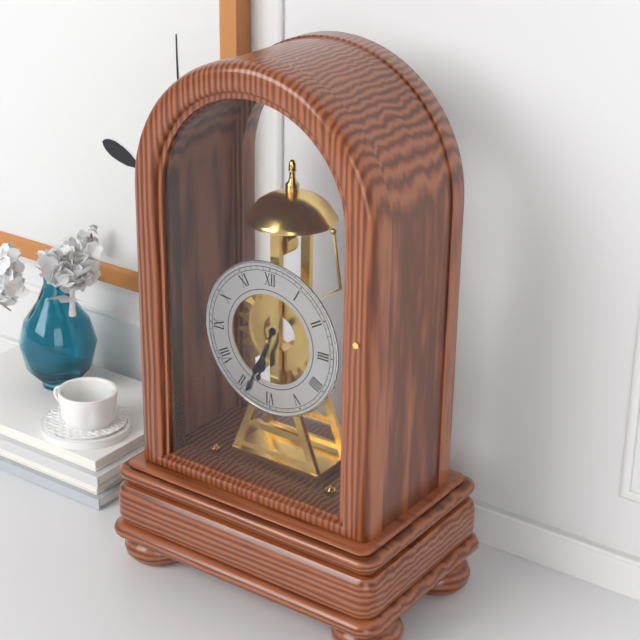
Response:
6.34
